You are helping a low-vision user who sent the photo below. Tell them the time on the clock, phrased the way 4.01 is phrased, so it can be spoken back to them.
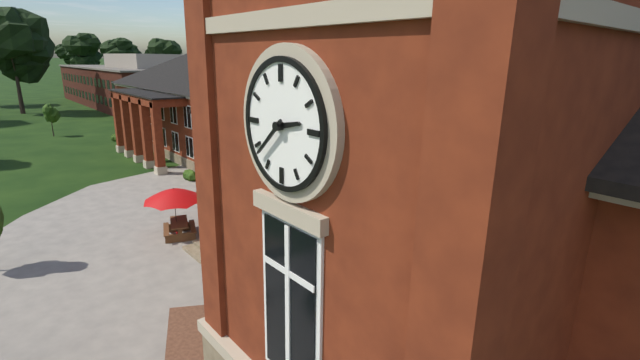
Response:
2.38
